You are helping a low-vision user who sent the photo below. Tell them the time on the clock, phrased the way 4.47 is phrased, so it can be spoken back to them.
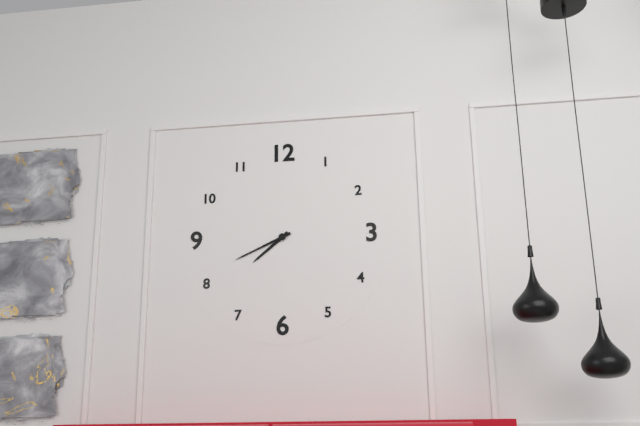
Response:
7.41
